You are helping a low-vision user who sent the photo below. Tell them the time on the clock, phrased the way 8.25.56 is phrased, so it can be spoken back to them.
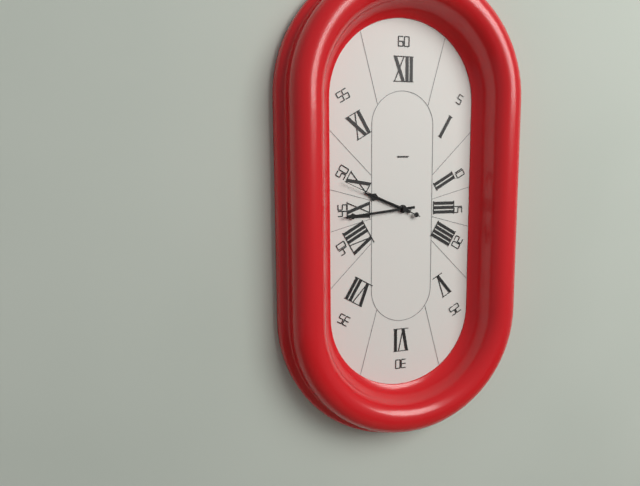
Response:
9.44.49
